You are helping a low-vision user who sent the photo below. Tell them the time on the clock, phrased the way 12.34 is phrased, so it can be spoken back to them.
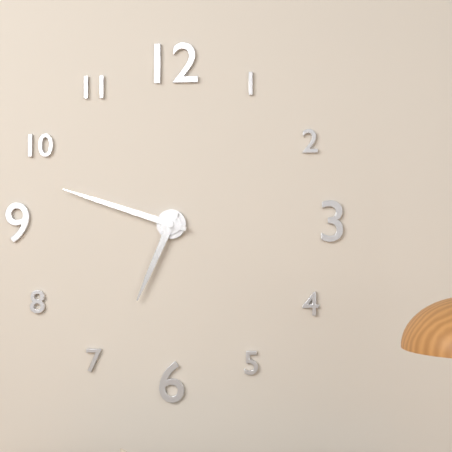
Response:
6.48
